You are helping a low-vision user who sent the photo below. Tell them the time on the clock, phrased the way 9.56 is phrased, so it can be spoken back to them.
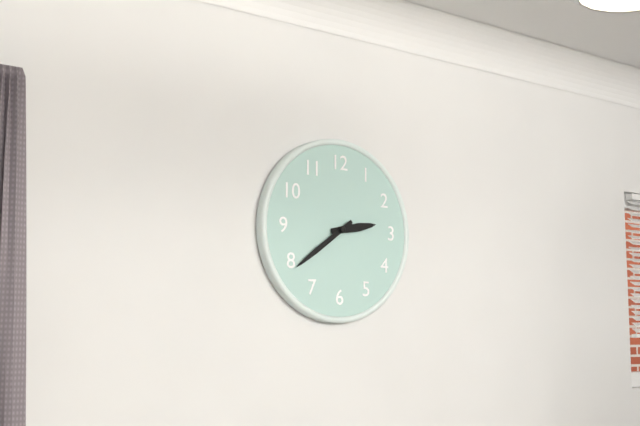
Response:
2.39
